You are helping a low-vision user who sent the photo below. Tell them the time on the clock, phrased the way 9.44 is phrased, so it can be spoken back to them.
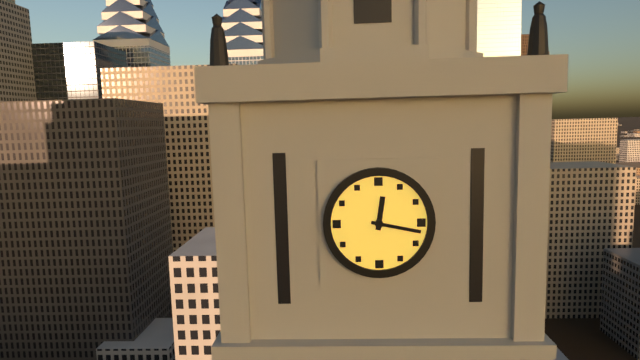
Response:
12.17
